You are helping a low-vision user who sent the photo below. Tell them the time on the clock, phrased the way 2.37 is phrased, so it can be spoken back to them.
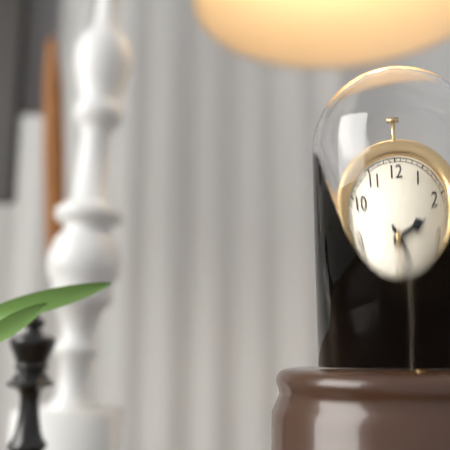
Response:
2.22
